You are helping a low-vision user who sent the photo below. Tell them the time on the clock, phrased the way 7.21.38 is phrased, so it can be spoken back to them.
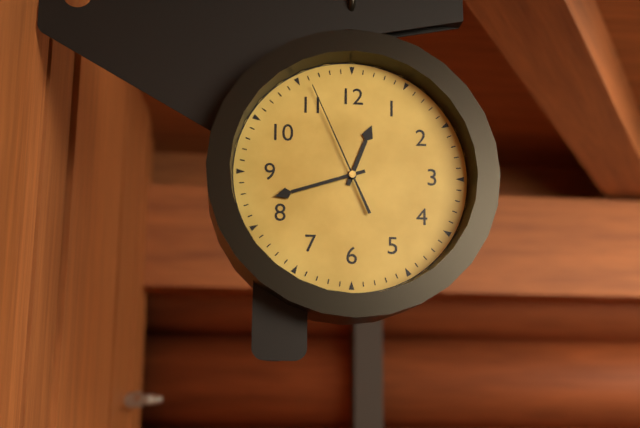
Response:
12.42.56
